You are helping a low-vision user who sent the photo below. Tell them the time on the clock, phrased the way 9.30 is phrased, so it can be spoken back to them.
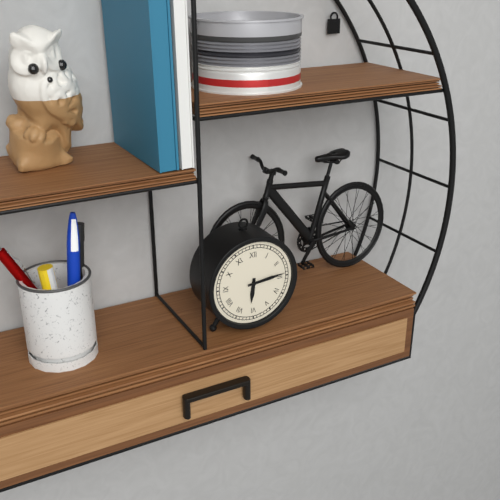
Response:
6.14
